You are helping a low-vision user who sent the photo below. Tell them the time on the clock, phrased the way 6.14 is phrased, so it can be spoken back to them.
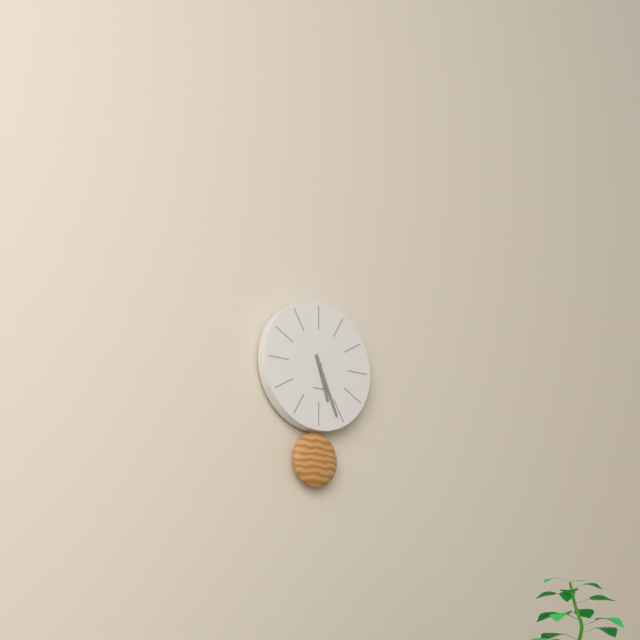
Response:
5.26
